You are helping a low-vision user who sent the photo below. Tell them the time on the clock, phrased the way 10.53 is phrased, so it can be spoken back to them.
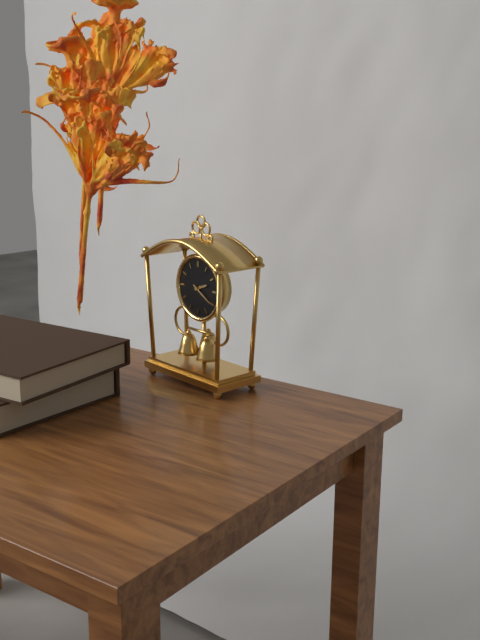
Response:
2.20
